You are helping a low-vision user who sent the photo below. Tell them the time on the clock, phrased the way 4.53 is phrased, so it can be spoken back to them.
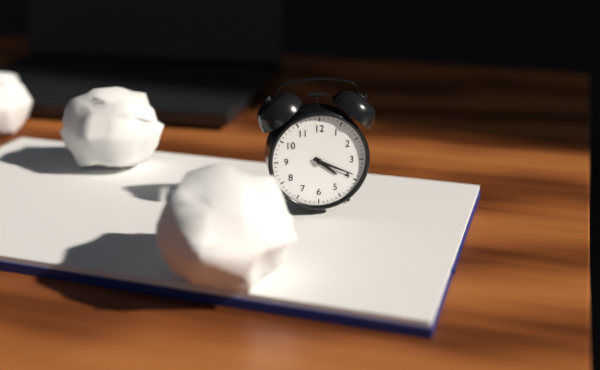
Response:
4.19
